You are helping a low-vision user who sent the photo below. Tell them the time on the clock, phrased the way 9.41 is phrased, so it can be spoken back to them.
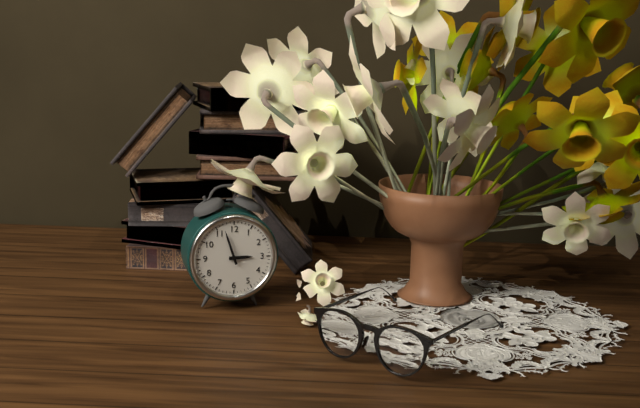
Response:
2.57
